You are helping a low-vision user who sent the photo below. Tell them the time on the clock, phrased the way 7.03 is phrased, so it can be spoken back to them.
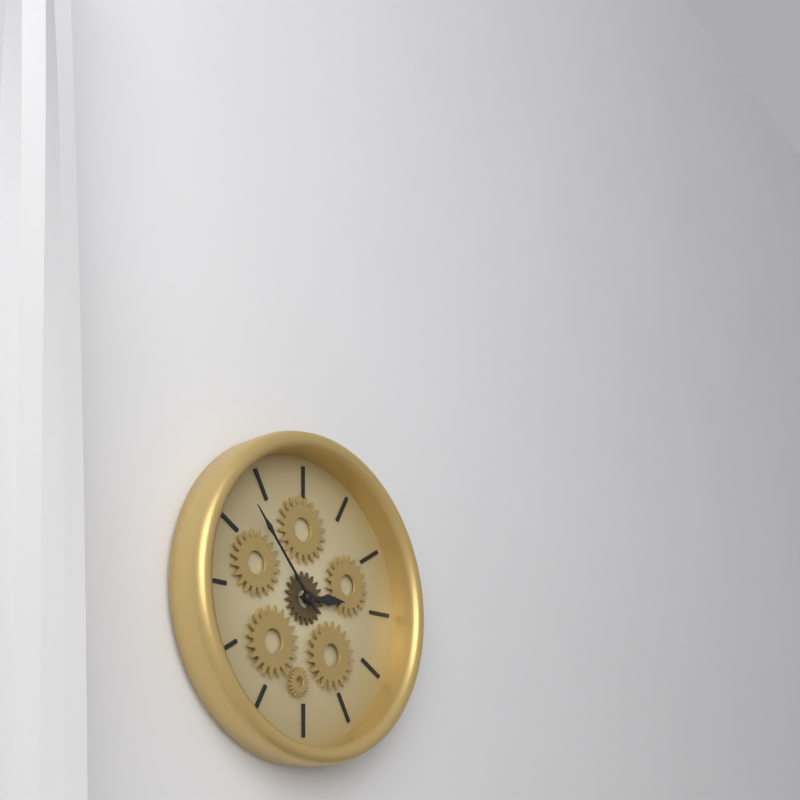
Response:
2.53
